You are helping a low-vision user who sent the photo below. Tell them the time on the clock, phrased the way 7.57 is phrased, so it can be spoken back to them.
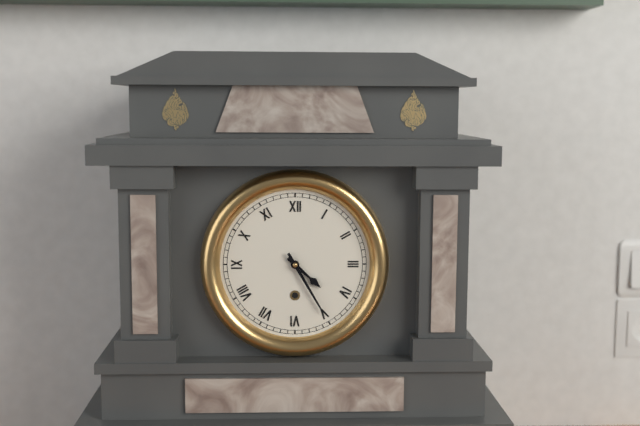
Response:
4.25
